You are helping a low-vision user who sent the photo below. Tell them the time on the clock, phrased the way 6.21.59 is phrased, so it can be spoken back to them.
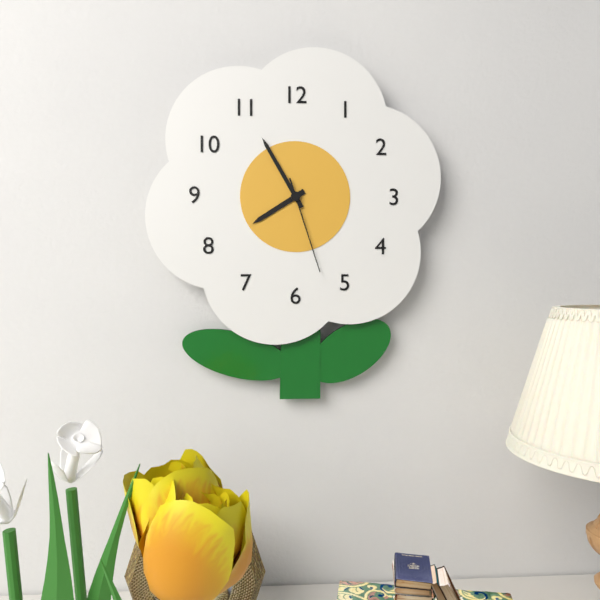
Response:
7.55.27
